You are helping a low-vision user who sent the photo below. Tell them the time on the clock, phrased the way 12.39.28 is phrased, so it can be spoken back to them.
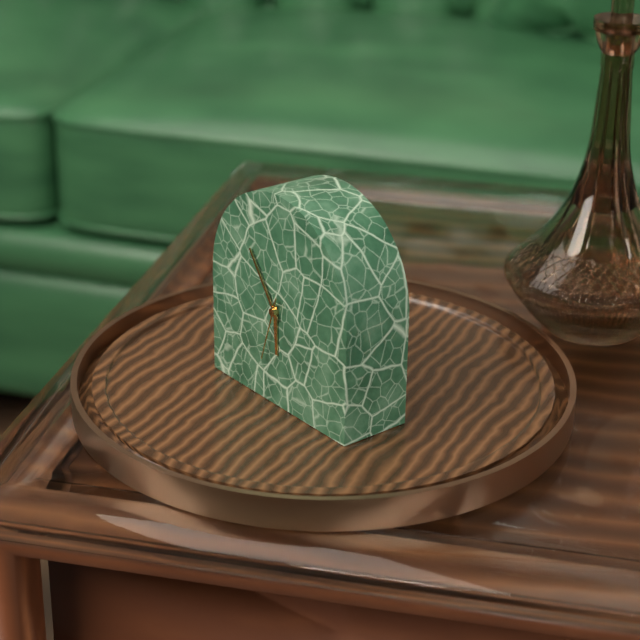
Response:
5.54.33
